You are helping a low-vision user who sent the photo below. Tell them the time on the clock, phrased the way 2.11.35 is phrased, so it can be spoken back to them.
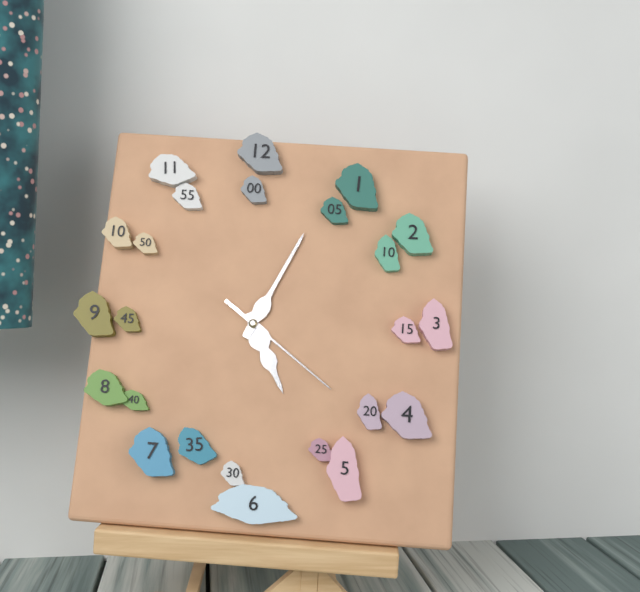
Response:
5.04.21
